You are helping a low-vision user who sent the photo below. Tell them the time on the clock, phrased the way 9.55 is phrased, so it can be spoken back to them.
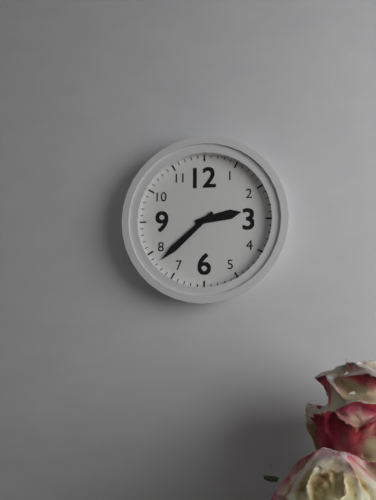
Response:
2.38
